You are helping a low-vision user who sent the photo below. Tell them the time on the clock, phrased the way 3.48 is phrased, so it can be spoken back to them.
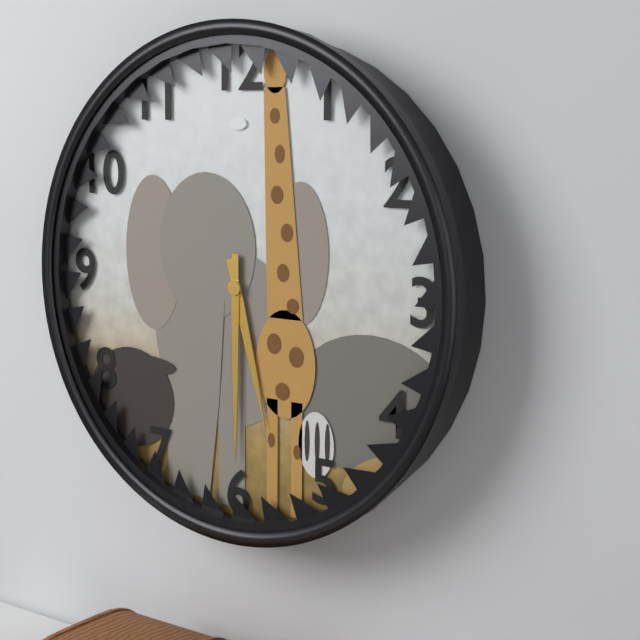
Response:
5.30
